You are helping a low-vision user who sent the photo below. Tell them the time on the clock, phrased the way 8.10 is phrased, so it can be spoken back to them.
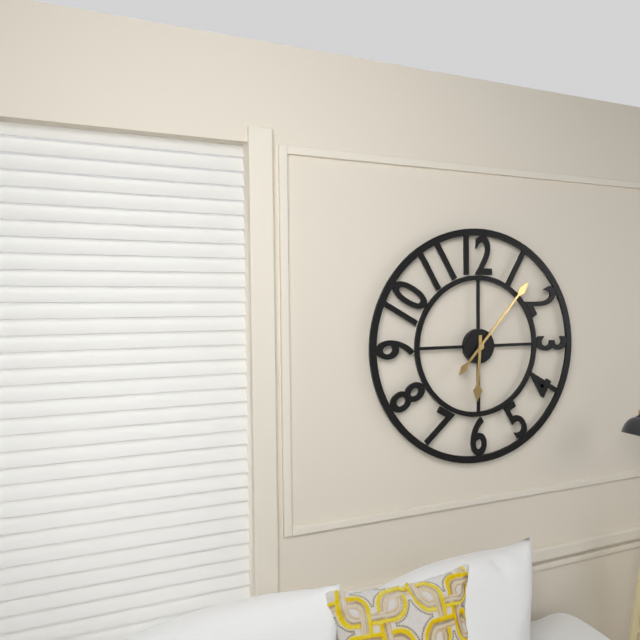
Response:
6.07
